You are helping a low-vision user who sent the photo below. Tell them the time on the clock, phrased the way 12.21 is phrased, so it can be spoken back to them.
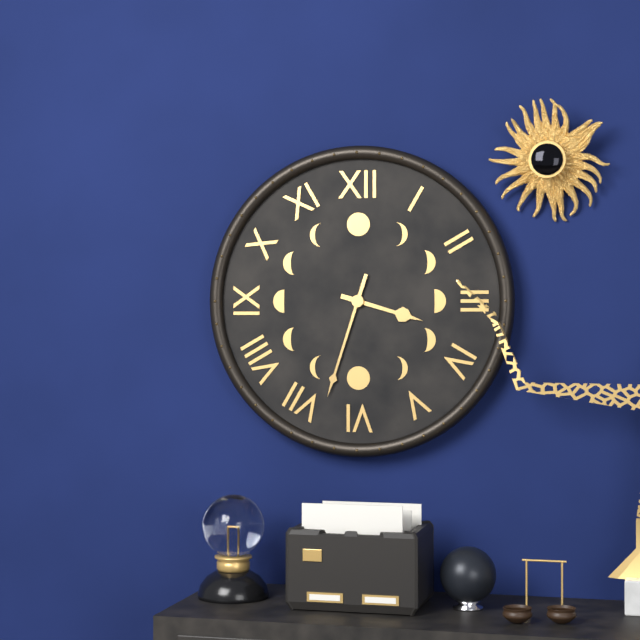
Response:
3.33
